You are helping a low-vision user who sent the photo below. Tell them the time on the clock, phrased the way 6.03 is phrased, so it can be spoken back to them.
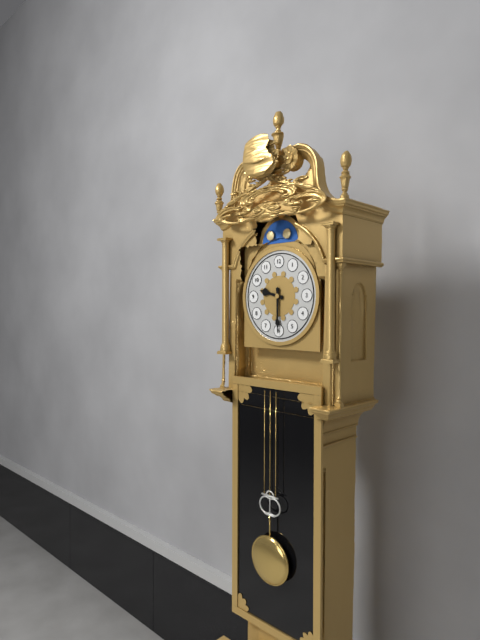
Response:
9.30
